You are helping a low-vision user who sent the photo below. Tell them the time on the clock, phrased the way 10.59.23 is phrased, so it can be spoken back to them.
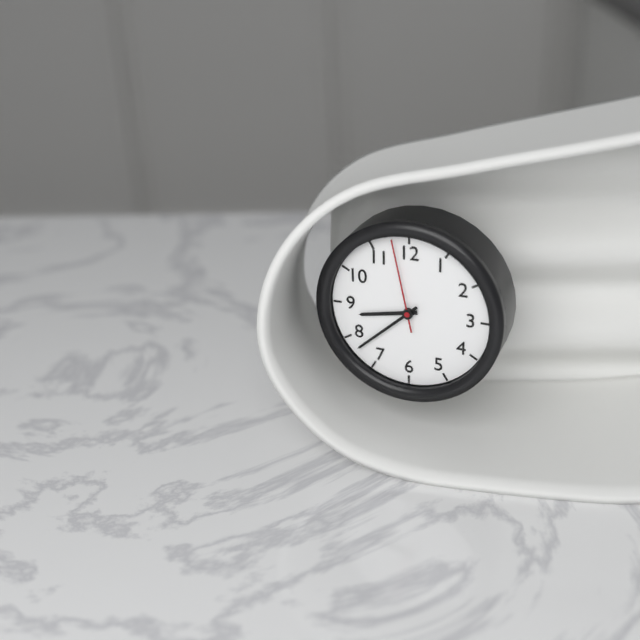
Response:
8.38.58
